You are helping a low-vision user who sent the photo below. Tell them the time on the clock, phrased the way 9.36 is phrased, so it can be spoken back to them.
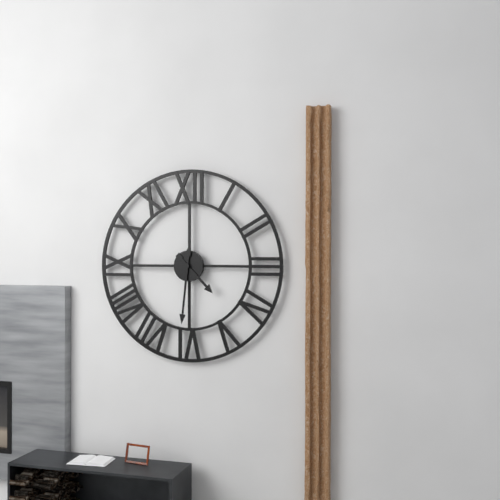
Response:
4.31
